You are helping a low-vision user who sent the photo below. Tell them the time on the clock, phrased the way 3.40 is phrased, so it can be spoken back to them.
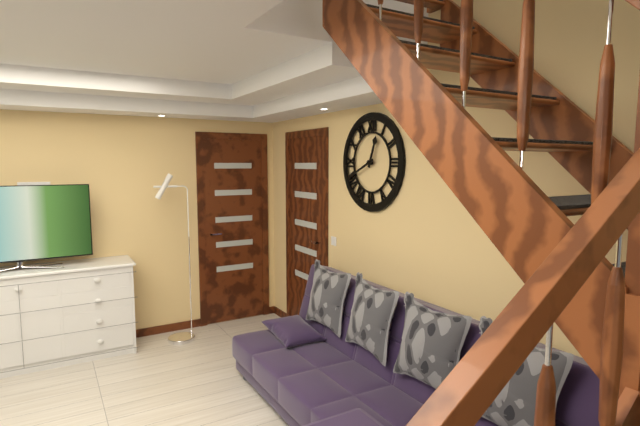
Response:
12.41
